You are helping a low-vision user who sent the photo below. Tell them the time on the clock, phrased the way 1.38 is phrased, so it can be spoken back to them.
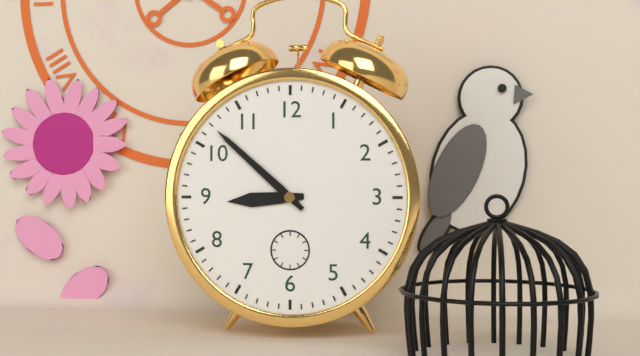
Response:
8.52
